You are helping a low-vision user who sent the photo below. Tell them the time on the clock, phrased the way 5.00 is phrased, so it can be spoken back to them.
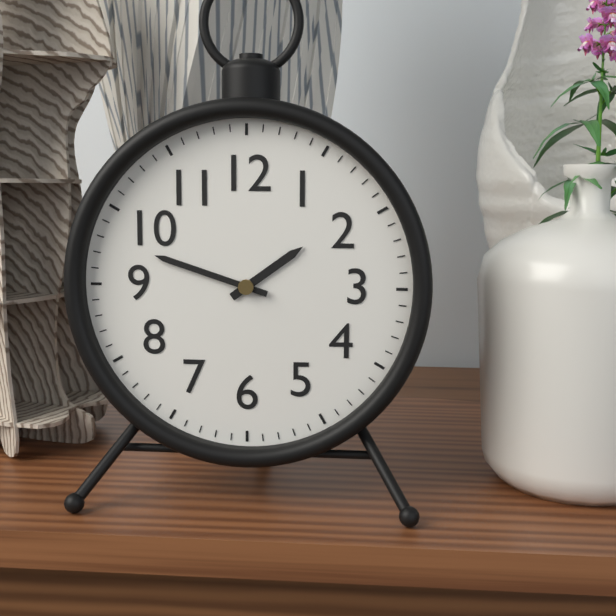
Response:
1.48
